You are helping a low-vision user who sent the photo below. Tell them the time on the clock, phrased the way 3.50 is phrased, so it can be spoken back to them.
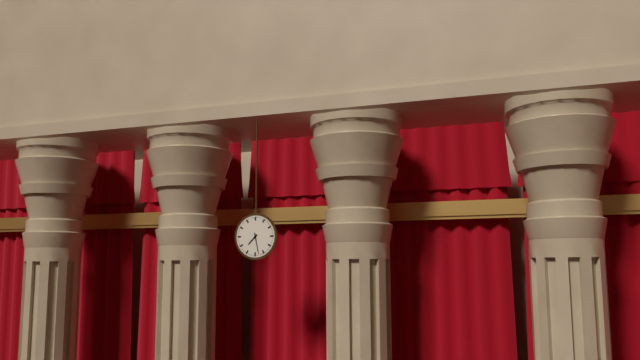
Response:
7.28
